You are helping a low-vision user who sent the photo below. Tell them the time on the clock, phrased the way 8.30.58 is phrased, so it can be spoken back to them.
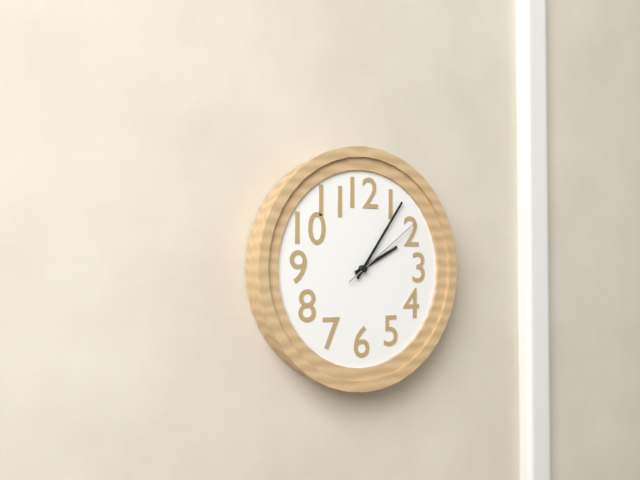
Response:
2.06.09
